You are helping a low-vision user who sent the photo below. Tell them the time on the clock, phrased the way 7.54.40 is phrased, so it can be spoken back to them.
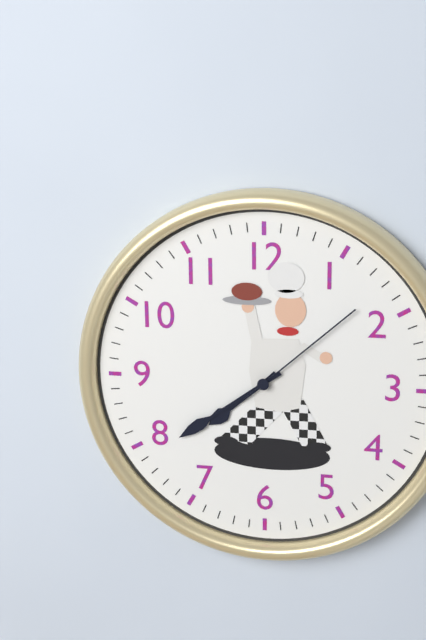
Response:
7.39.08
